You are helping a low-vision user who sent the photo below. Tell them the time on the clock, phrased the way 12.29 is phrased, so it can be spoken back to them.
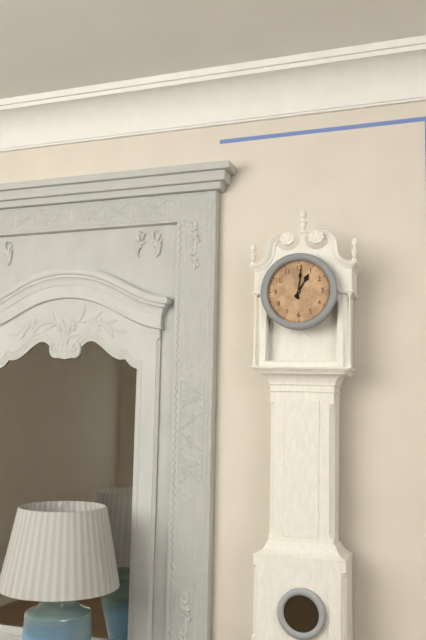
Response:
1.01
